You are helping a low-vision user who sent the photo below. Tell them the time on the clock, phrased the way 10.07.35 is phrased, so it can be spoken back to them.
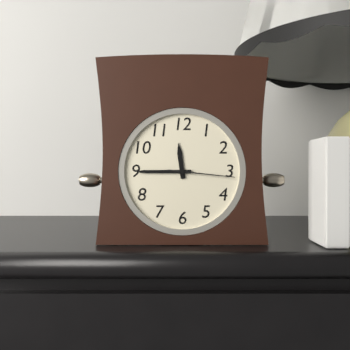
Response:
11.45.16
